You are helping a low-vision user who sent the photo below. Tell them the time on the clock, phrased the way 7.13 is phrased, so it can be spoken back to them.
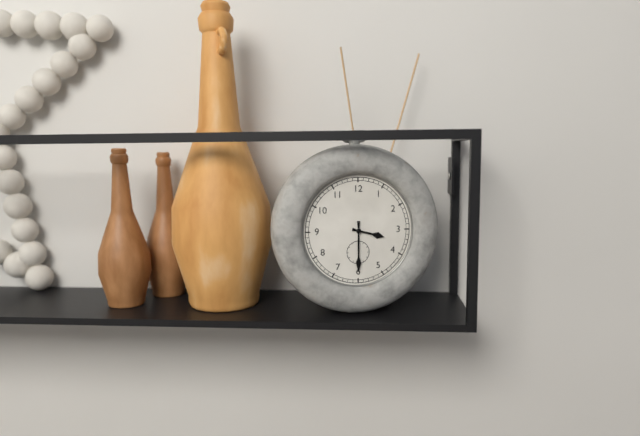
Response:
3.30
